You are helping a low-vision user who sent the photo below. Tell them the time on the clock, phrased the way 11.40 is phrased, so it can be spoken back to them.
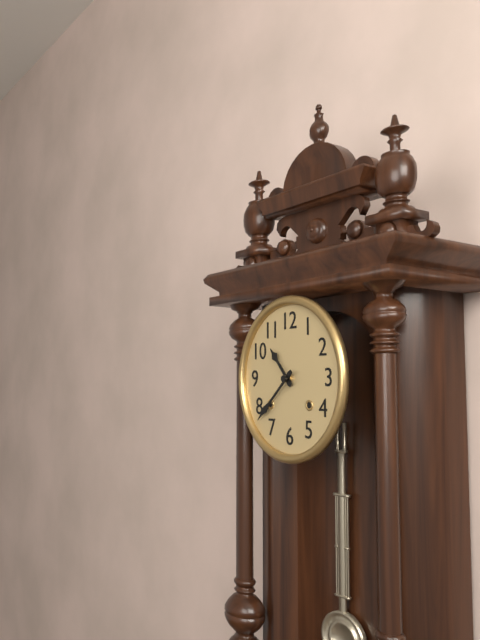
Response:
10.38
